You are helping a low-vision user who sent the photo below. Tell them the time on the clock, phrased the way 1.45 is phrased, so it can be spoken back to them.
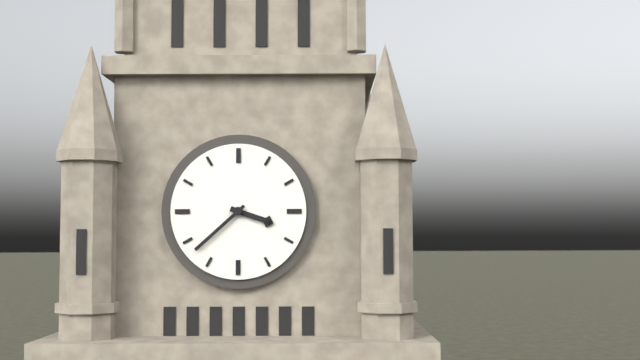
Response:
3.38
